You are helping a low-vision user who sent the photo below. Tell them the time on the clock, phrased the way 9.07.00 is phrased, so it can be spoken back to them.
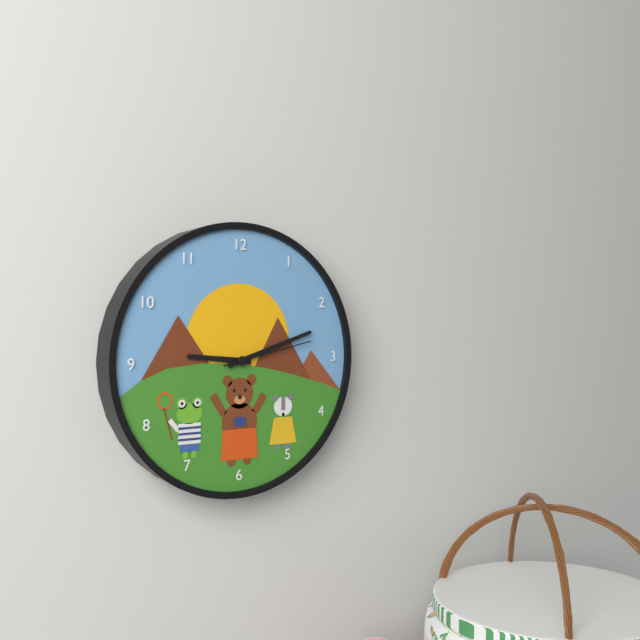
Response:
9.12.13
